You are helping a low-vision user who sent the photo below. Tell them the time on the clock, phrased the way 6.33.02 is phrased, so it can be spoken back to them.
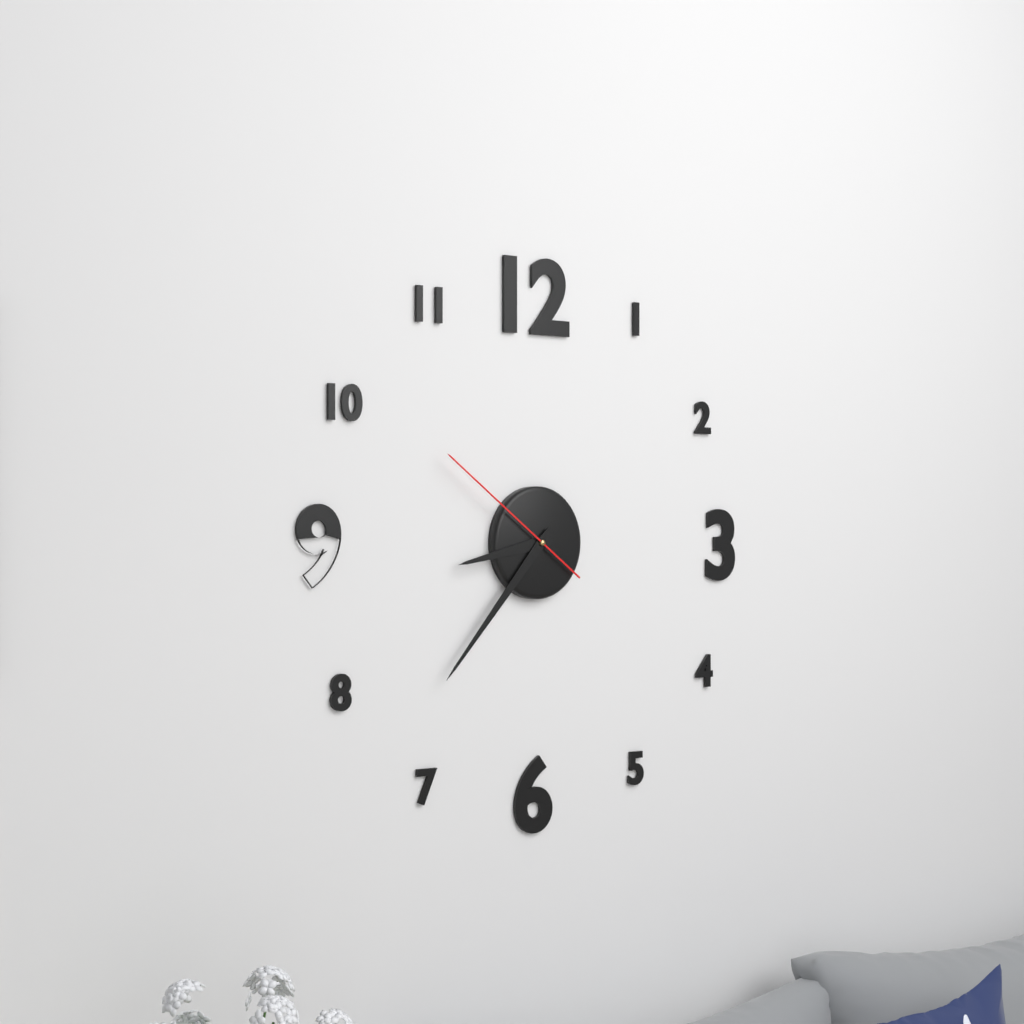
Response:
8.37.51
